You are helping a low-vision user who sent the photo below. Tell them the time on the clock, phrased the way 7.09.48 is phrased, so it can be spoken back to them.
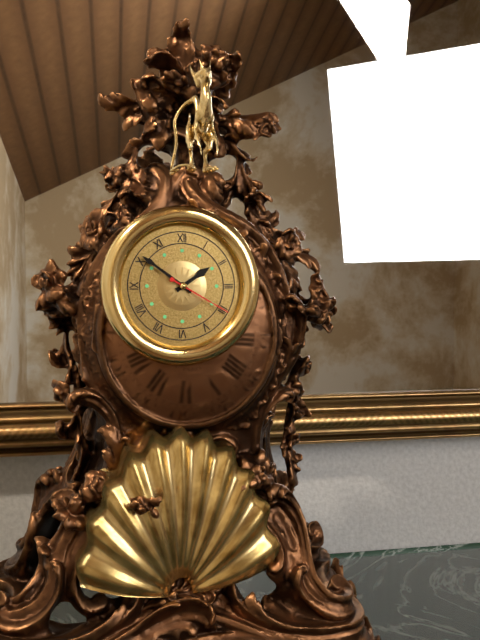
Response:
1.51.20
